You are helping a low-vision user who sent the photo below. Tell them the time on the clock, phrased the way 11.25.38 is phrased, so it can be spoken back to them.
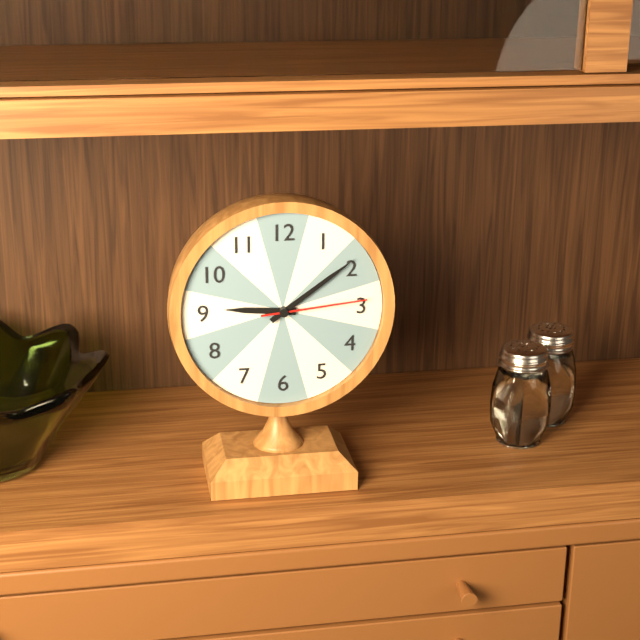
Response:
9.09.14
